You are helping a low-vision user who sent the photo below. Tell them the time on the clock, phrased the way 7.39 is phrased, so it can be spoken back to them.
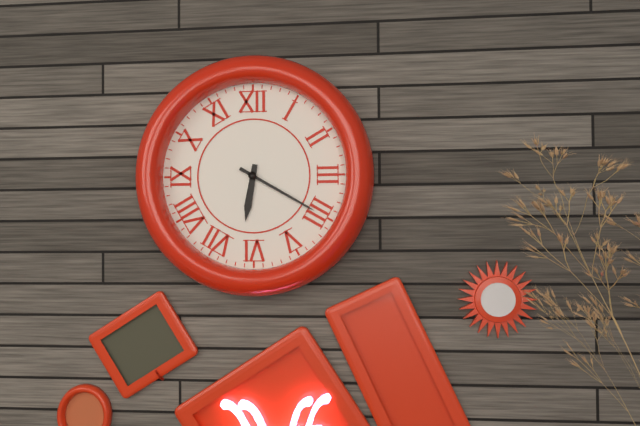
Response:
6.20
